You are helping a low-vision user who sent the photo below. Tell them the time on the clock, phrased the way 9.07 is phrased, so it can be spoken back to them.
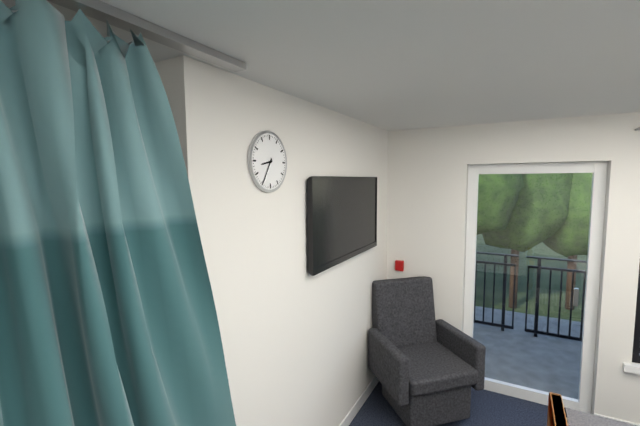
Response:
8.35
